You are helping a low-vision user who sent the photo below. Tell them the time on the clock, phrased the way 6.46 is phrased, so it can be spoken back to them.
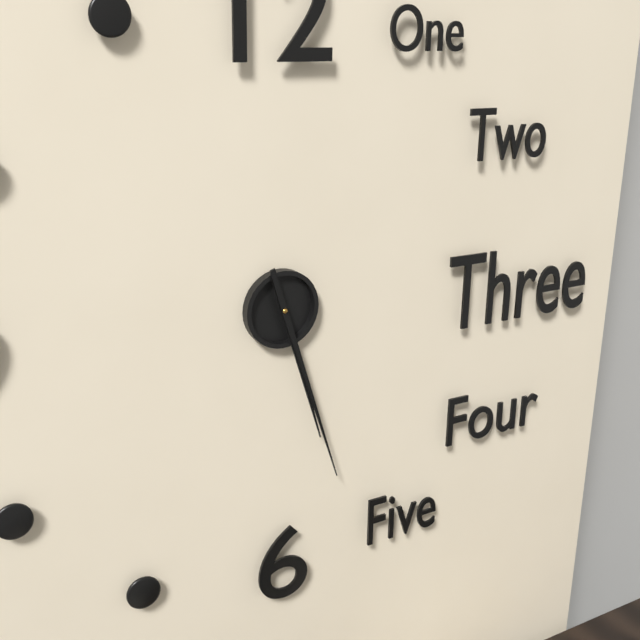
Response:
5.27
